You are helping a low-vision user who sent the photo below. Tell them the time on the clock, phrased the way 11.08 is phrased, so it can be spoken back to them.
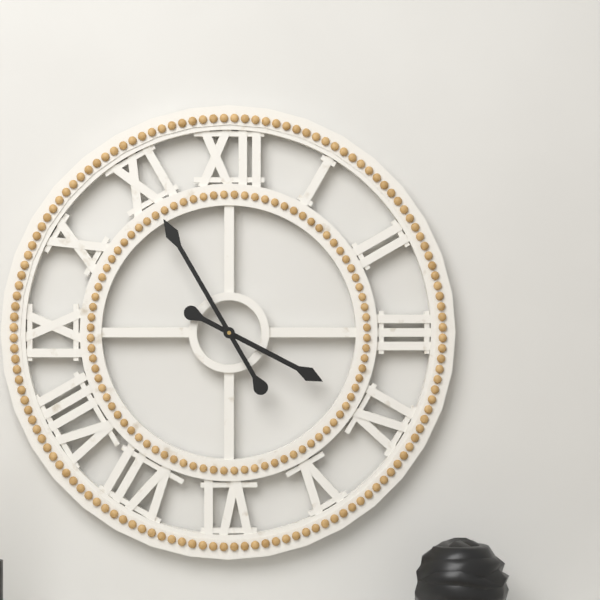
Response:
3.55
